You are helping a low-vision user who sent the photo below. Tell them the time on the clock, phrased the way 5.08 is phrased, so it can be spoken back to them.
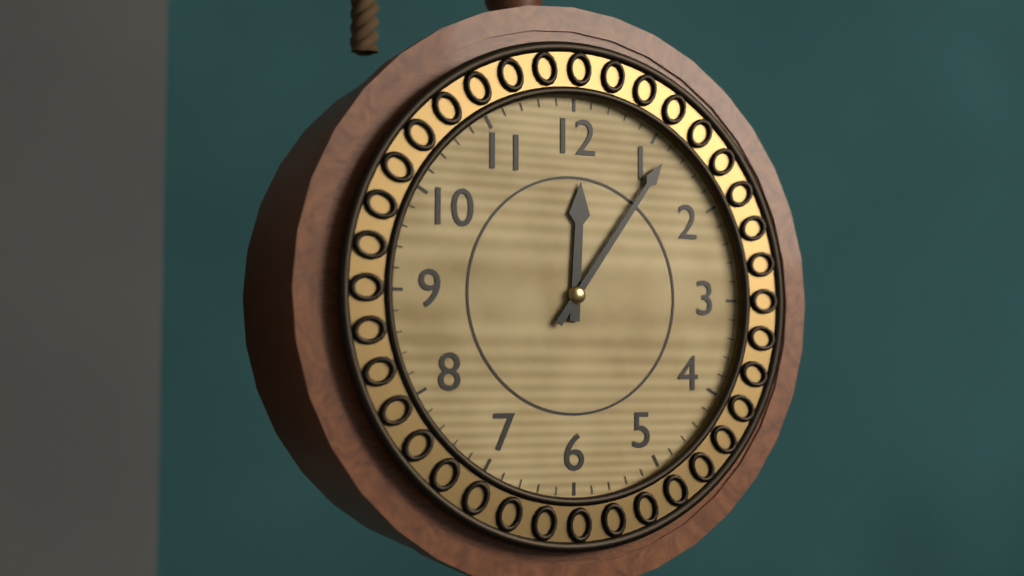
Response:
12.06
